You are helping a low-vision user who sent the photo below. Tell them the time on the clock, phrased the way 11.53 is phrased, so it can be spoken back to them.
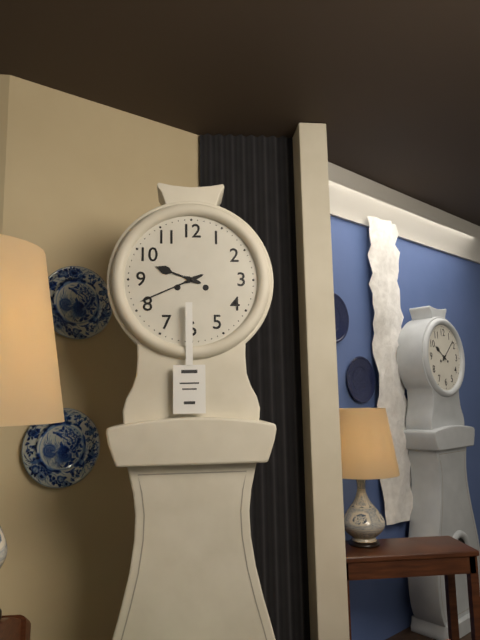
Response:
9.41
